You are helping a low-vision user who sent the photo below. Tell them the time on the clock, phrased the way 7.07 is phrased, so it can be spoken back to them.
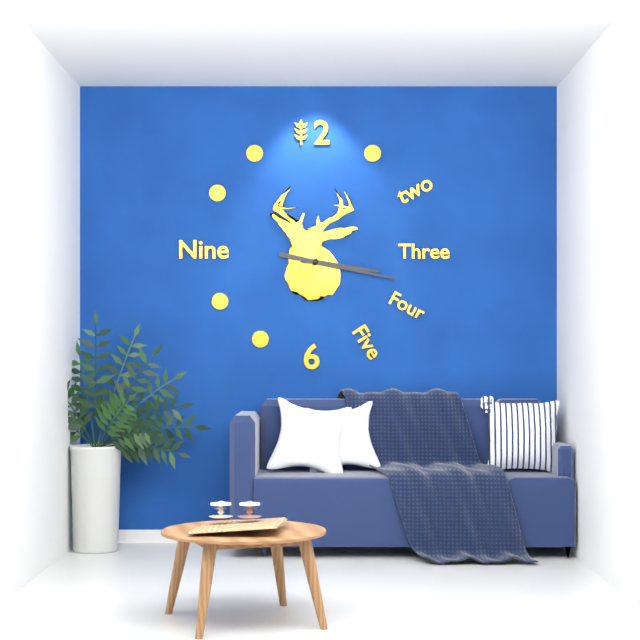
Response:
3.17
